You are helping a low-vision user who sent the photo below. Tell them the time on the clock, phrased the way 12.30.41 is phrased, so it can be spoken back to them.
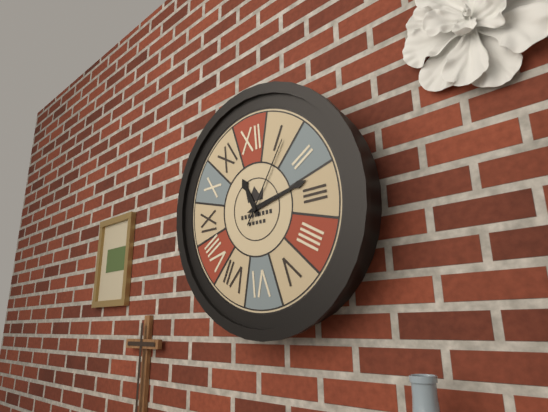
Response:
11.13.06
